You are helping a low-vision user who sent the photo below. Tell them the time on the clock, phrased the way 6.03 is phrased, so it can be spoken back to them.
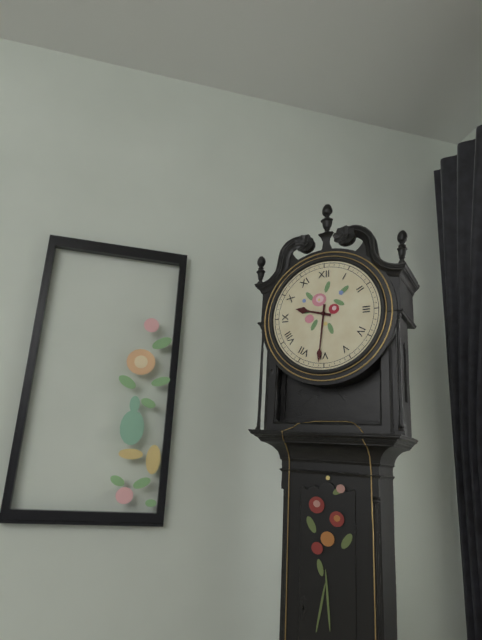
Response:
9.31
